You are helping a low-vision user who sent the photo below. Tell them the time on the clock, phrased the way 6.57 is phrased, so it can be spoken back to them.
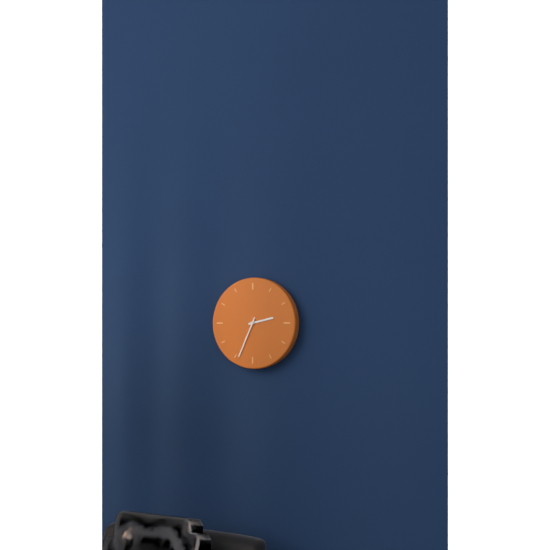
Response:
2.34
